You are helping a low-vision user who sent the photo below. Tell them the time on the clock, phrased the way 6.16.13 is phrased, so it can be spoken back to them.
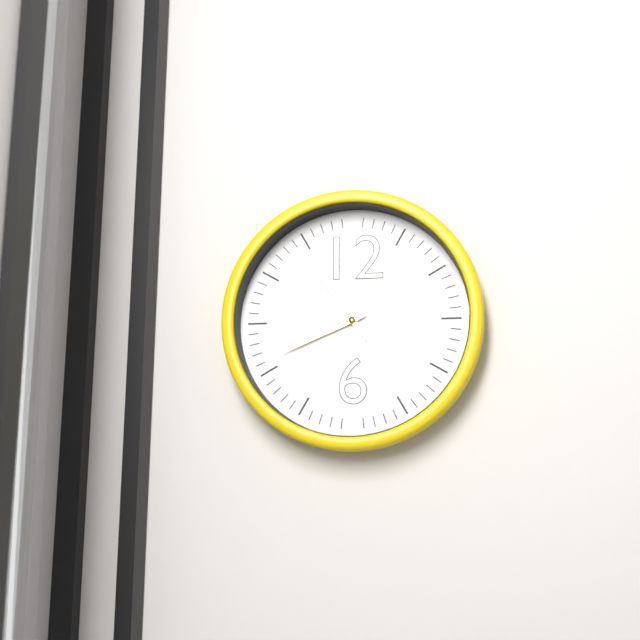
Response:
4.41.54
